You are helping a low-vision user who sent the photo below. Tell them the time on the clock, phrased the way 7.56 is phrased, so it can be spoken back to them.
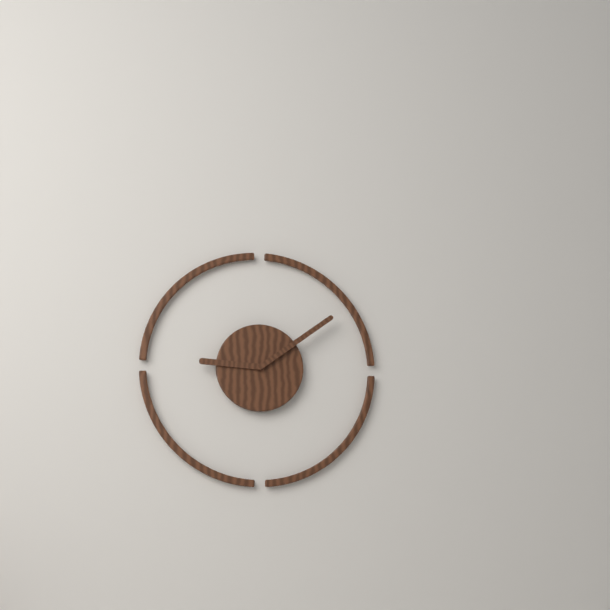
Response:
9.09
